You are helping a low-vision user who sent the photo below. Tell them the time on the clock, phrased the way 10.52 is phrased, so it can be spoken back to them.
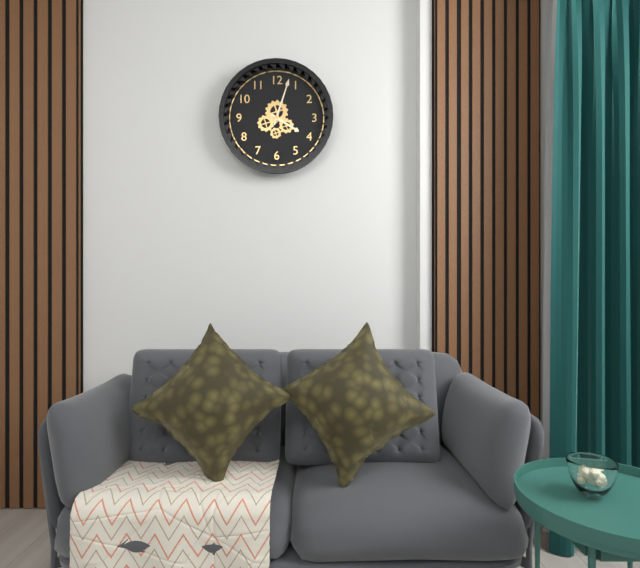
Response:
4.03
